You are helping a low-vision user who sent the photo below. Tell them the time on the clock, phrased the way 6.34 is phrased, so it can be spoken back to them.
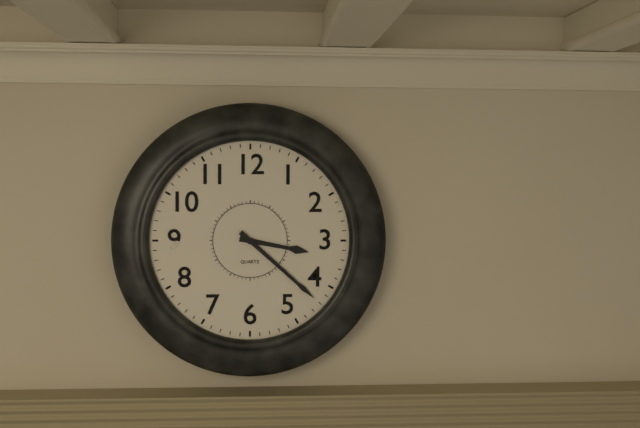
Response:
3.22
